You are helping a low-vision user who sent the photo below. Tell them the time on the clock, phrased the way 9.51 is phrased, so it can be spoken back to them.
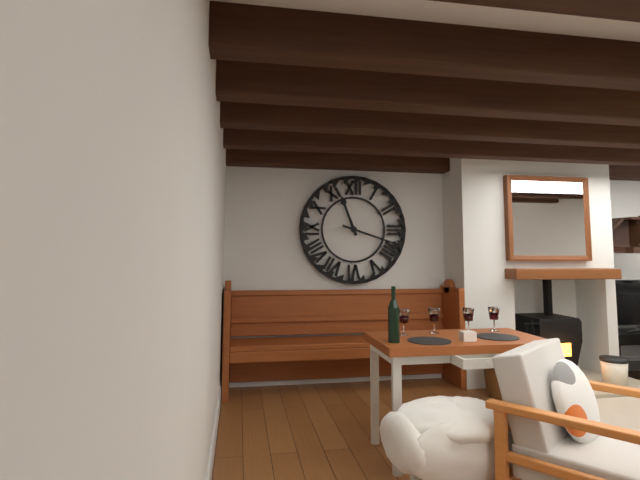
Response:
11.18
